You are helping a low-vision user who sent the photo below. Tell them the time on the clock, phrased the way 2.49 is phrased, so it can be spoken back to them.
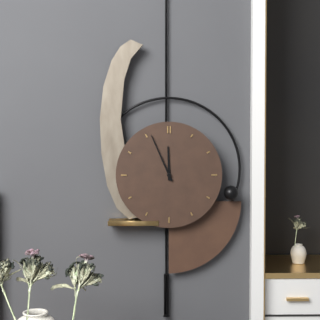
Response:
11.56
